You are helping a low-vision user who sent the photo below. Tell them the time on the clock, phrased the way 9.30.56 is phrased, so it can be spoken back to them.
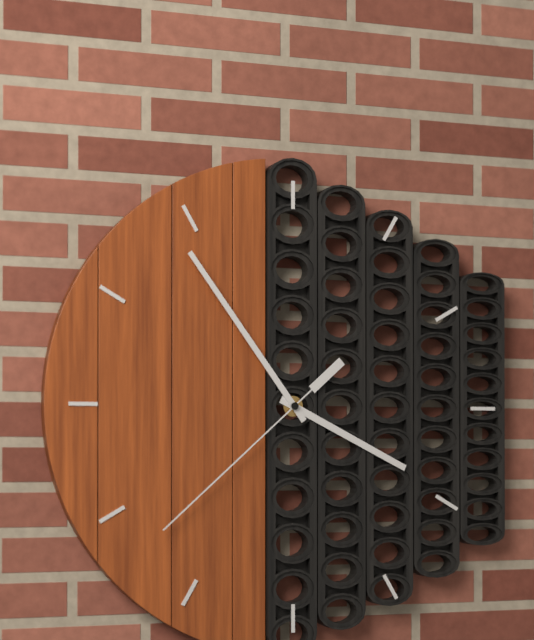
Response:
3.54.38
